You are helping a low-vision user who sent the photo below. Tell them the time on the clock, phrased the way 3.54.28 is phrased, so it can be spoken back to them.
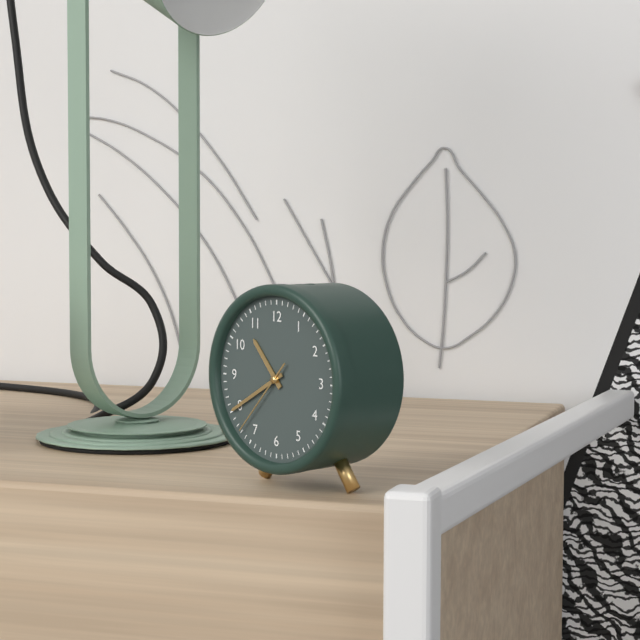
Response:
10.40.37
